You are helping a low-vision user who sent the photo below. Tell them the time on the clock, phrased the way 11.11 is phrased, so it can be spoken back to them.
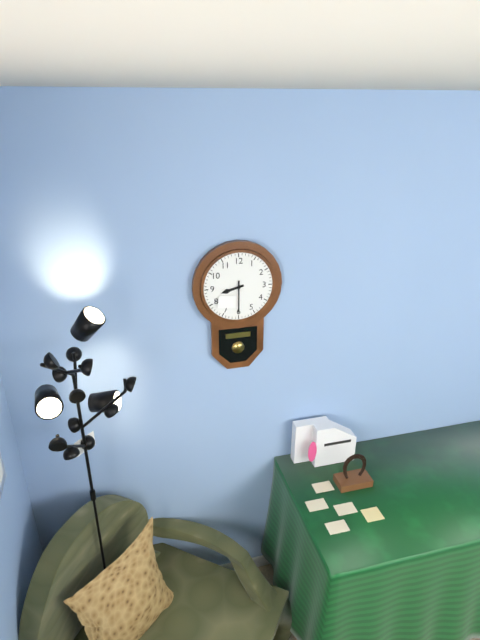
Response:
8.30
